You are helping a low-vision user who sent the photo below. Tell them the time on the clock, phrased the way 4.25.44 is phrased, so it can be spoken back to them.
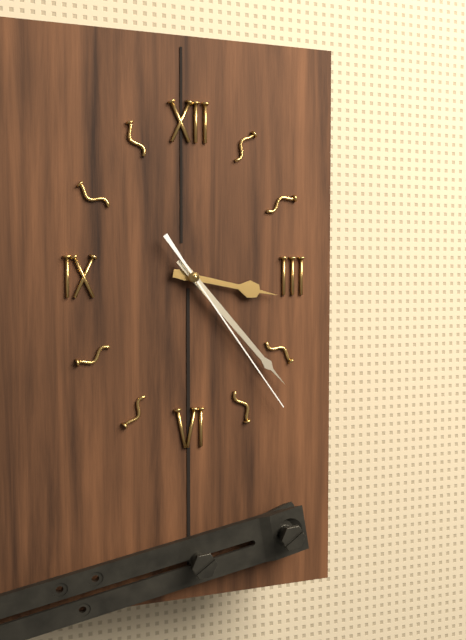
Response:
3.23.24
